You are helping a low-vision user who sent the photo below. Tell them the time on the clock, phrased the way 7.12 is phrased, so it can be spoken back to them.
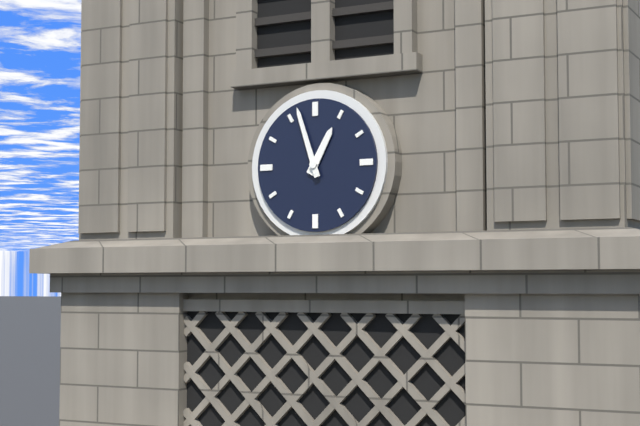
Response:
12.57
